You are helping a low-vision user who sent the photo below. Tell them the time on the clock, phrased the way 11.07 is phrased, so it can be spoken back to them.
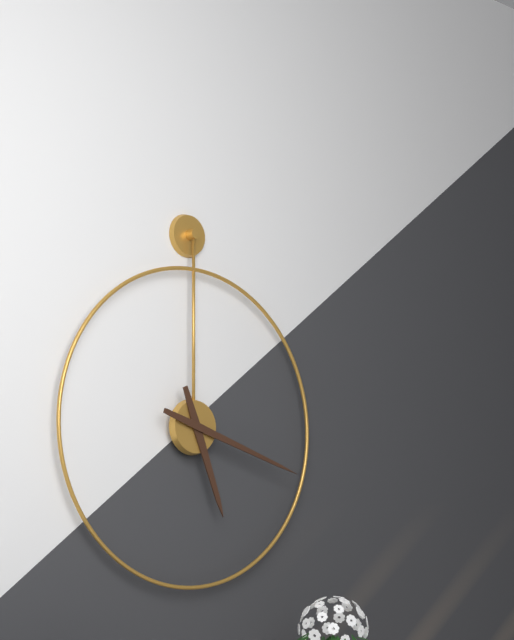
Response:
5.18
